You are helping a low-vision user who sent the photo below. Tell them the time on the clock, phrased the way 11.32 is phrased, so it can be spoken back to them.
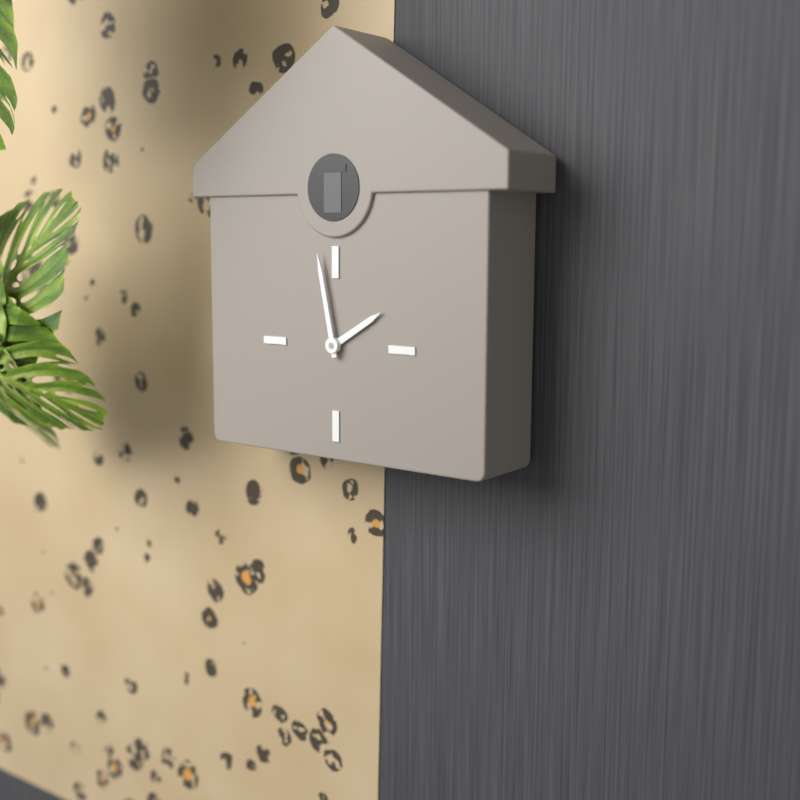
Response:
1.58
